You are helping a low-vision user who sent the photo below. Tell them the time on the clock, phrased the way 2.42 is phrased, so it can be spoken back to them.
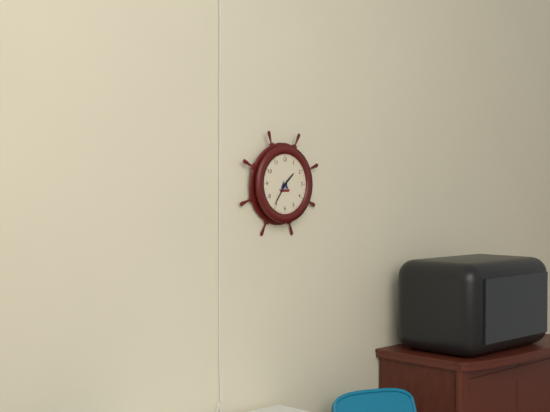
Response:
1.36
